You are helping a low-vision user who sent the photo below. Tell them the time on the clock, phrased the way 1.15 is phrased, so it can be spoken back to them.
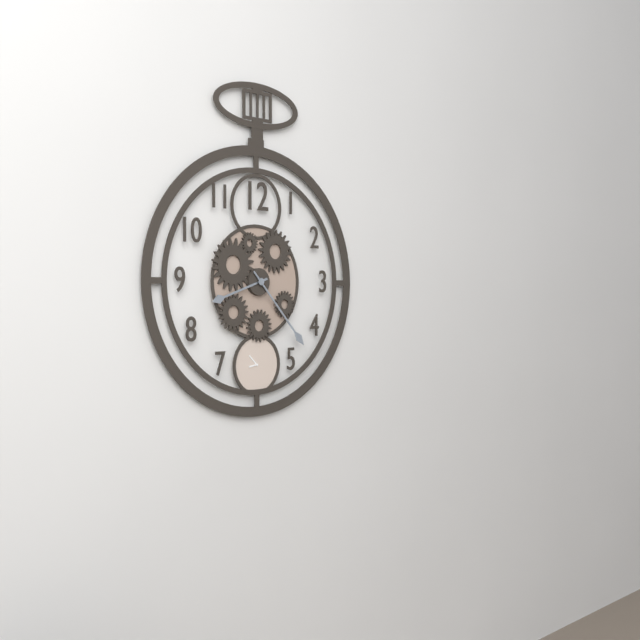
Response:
8.23
